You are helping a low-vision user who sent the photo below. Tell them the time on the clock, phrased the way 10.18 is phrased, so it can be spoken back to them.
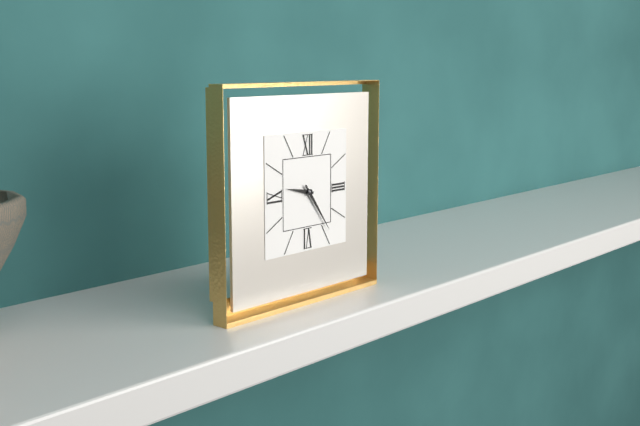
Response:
9.24
